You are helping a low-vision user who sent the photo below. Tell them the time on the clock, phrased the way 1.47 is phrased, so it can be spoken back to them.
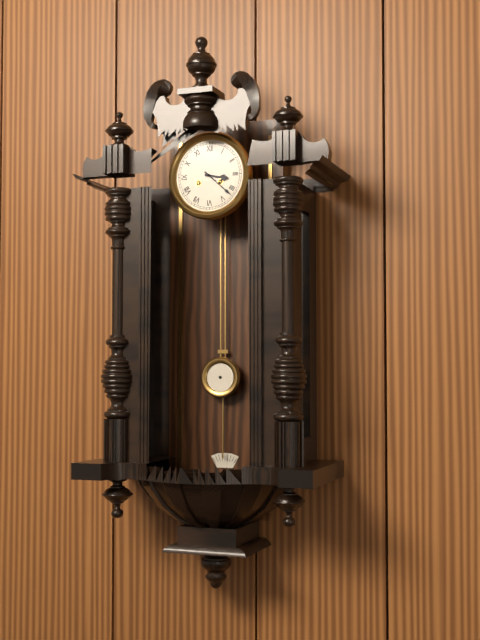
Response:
3.22
